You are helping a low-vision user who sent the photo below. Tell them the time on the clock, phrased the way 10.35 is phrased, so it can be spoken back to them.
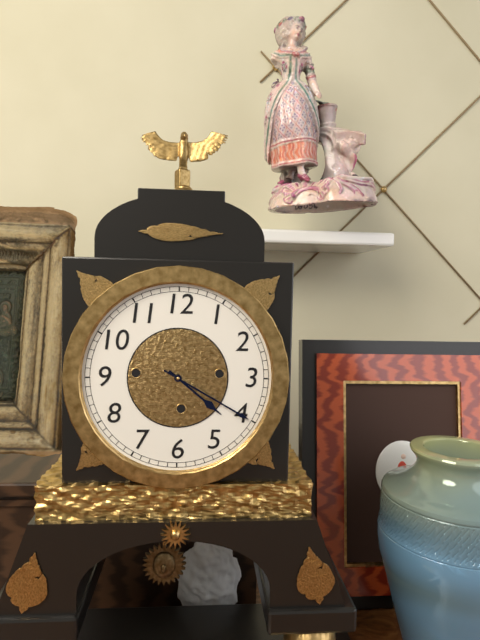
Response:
4.20
